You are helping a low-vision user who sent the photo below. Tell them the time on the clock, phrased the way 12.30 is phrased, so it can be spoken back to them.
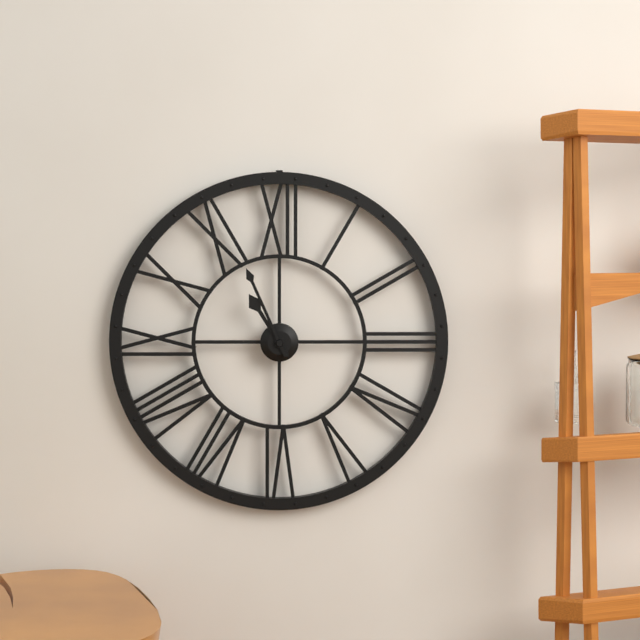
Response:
10.56
